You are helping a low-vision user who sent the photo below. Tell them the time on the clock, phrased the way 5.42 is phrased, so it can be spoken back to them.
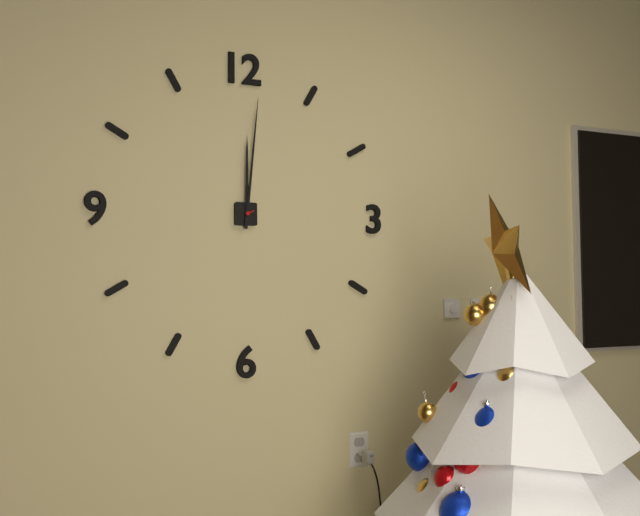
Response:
12.01
